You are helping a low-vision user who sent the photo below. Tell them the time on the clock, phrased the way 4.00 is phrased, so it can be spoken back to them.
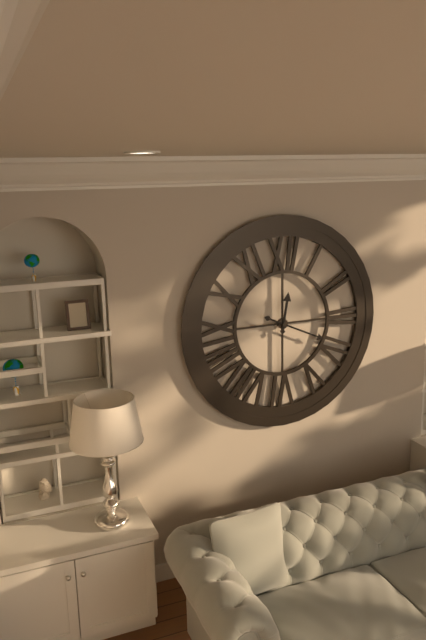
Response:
12.19
